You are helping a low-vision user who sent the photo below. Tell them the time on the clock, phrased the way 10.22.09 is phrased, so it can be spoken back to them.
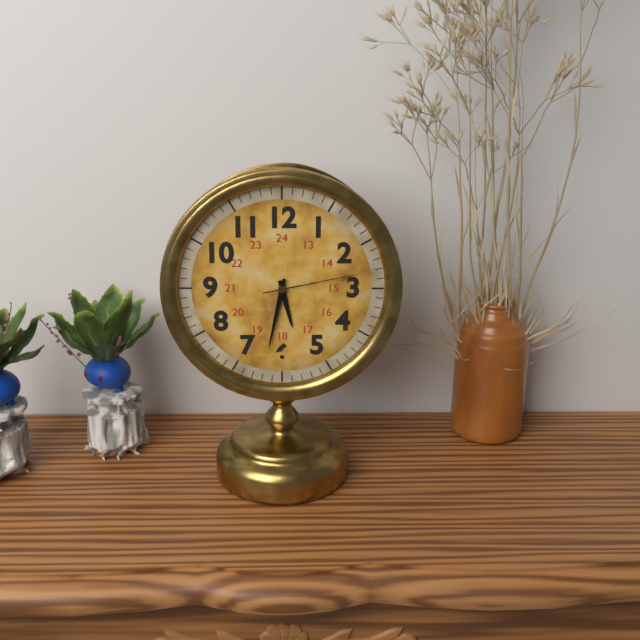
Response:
5.32.13
